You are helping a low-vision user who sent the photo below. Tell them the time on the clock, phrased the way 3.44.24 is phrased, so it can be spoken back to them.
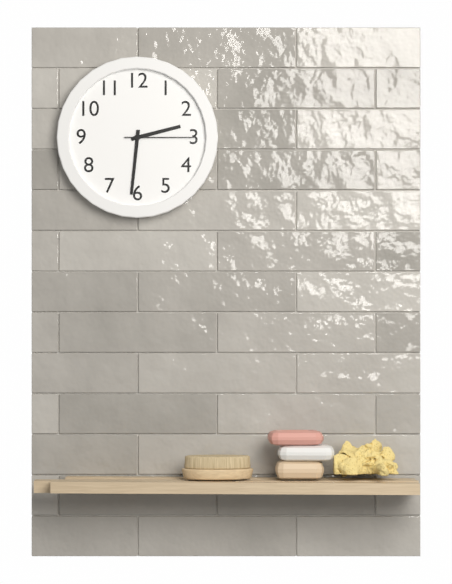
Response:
2.31.15
